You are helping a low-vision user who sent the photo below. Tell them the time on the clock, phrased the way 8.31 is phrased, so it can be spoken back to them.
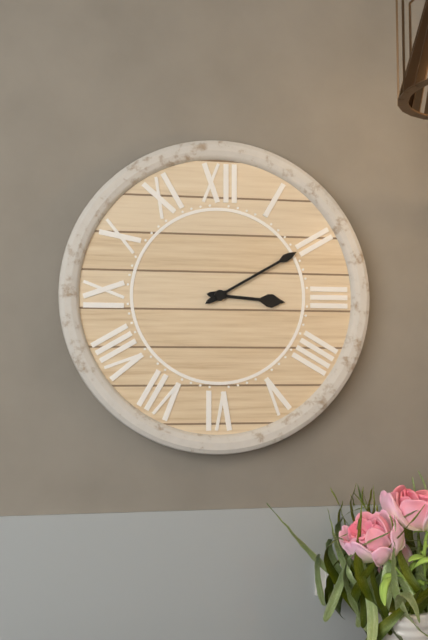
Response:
3.10
